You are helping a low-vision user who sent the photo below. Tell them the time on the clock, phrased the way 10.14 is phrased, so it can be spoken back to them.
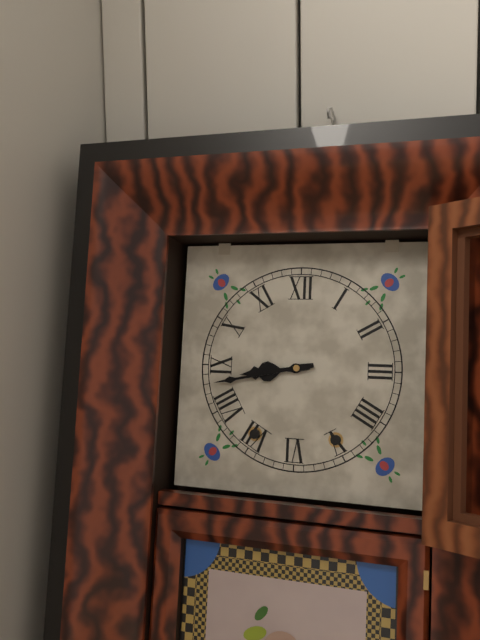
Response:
8.43
